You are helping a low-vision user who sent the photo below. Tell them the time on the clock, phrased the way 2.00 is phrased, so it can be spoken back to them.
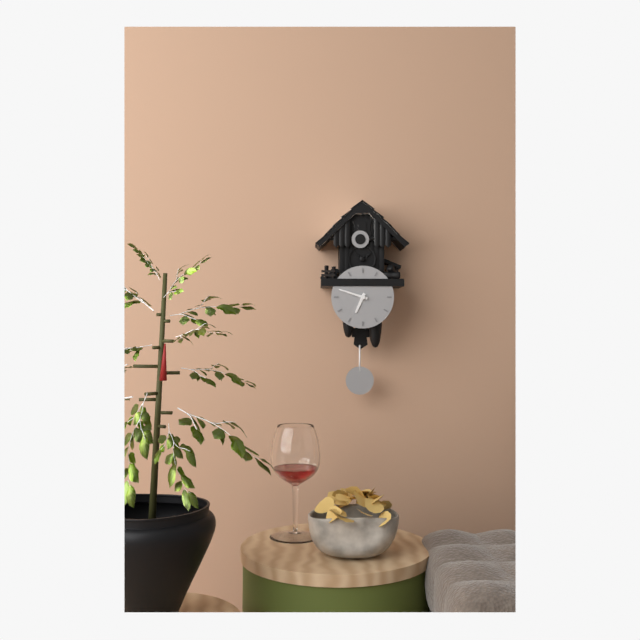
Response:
6.48
